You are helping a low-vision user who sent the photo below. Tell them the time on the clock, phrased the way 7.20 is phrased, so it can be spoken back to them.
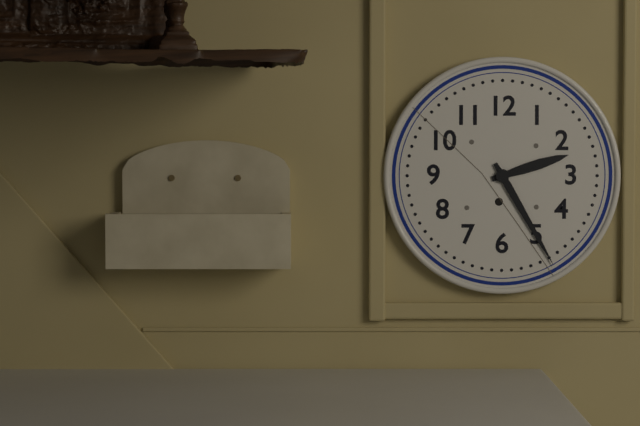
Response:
2.25
